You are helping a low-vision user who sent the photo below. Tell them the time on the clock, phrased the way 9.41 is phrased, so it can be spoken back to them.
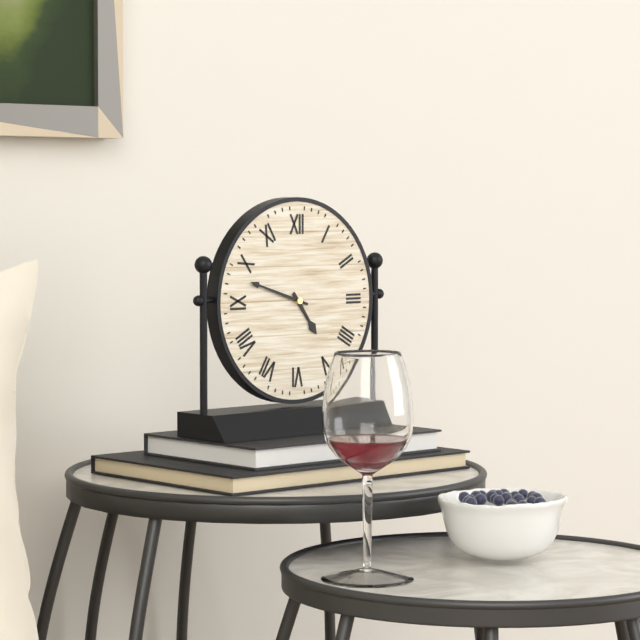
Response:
4.48
